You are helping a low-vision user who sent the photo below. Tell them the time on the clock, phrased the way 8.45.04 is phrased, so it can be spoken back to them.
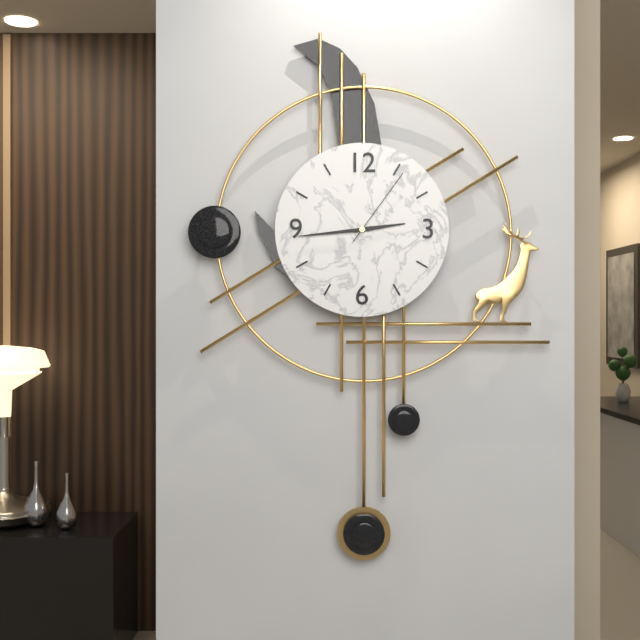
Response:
2.44.06
